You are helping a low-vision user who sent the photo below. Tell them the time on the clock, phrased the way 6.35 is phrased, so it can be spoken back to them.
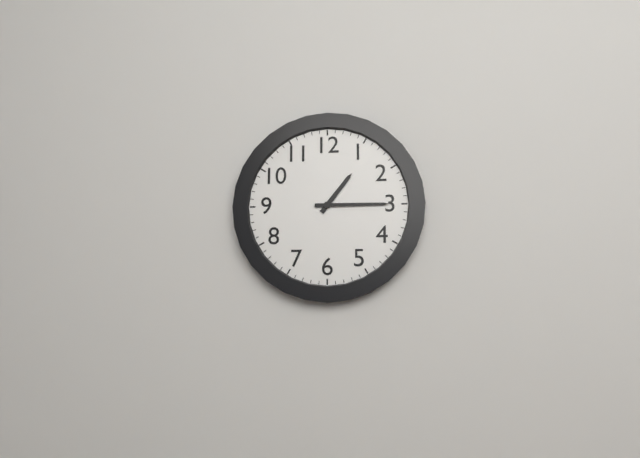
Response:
1.15
